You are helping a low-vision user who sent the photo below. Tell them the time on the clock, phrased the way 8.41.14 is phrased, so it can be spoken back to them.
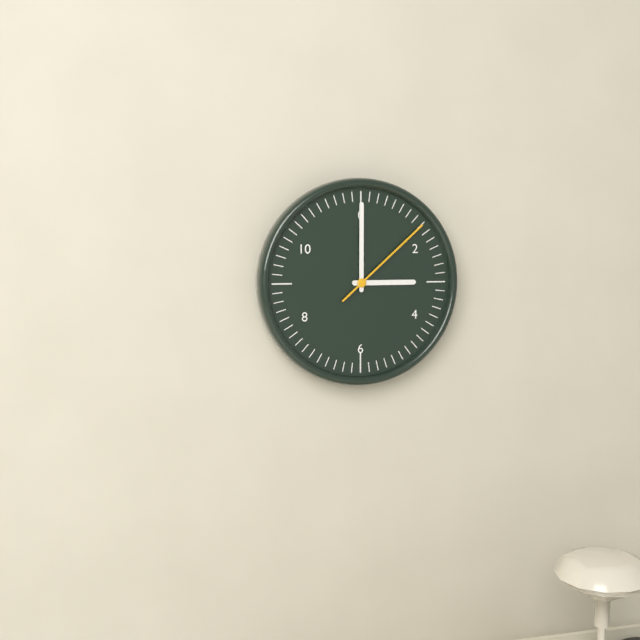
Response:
3.00.08
